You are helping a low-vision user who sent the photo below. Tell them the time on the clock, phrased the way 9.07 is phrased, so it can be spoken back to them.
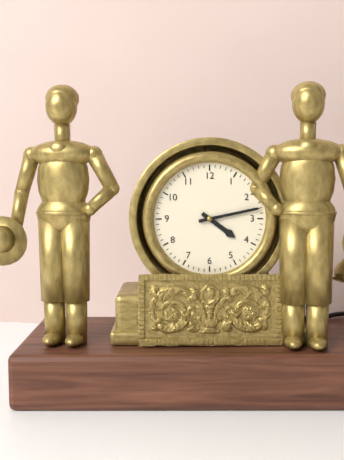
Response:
4.13
